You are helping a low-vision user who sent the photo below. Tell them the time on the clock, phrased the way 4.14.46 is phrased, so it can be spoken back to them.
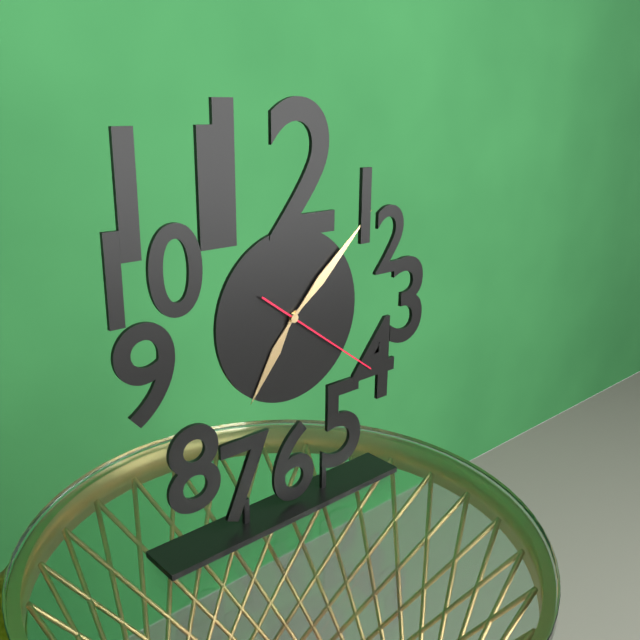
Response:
7.08.21
